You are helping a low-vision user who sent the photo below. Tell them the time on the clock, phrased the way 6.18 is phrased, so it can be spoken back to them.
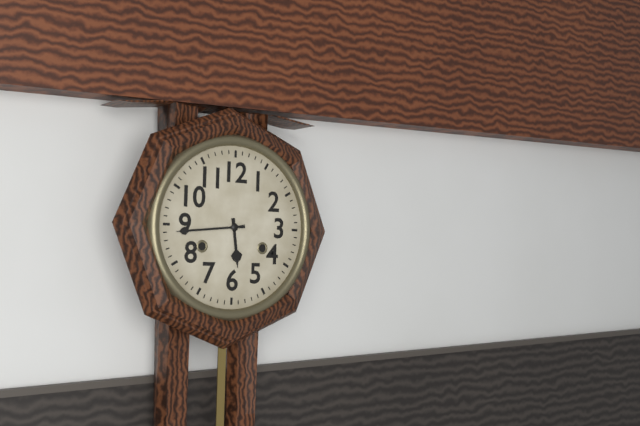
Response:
5.44
